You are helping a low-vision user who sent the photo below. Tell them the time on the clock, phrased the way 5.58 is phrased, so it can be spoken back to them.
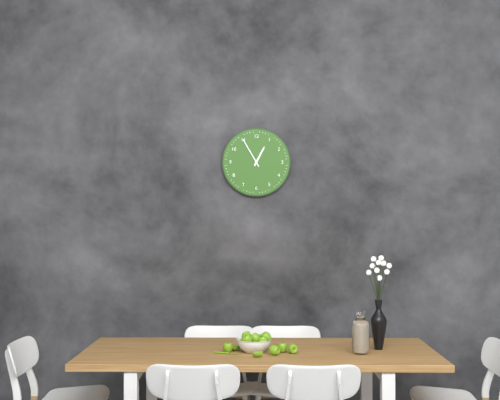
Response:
12.55
